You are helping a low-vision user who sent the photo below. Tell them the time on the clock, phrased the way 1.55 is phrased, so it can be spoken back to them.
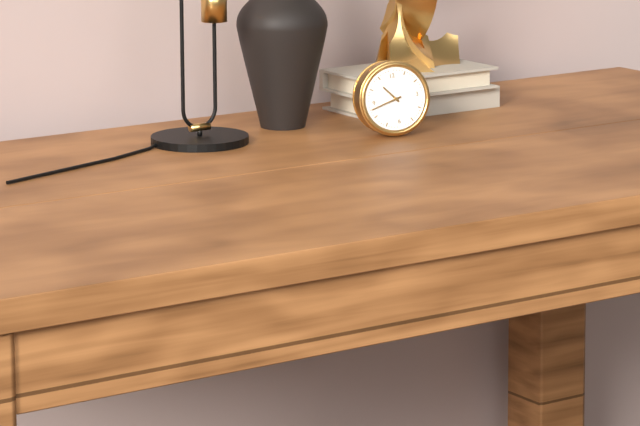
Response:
10.43
